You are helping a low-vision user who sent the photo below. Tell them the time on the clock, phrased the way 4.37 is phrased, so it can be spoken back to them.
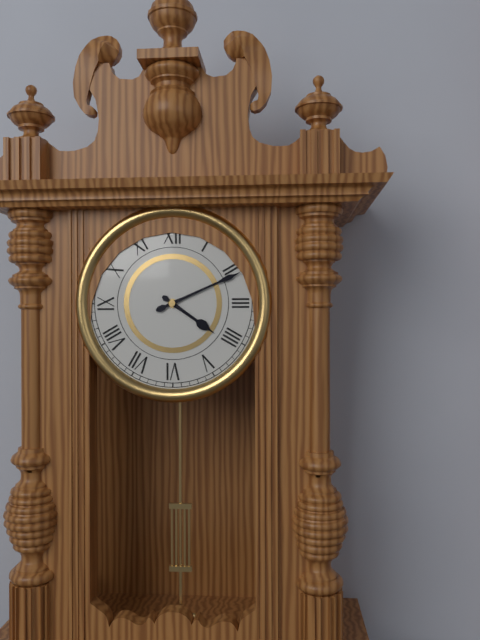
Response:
4.11
